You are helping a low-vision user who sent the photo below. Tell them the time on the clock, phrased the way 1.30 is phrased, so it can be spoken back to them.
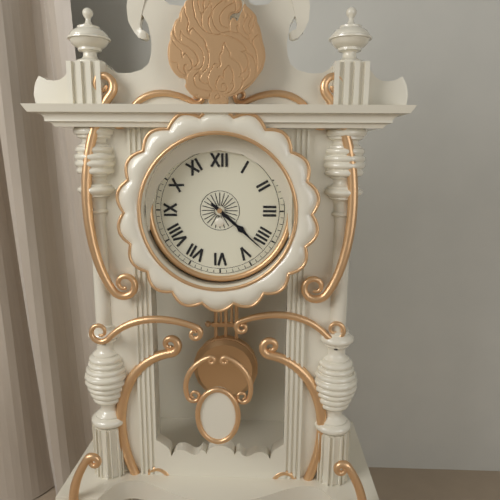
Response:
4.22
